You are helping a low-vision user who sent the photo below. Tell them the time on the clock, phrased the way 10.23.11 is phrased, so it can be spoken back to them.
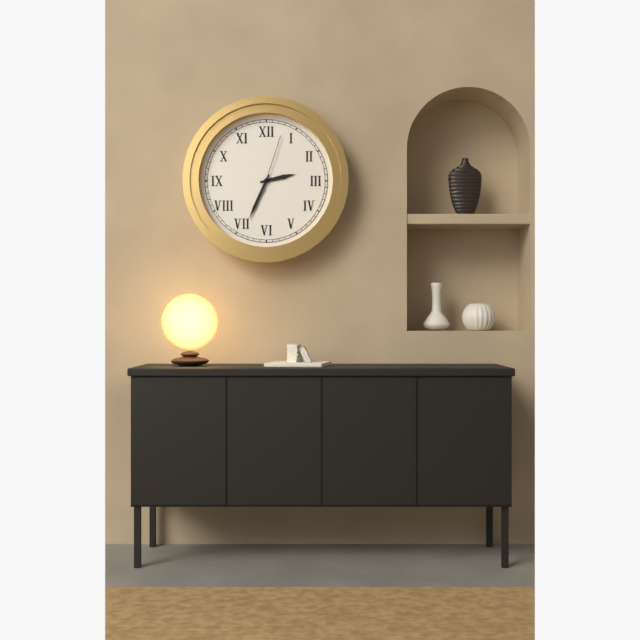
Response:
2.34.03
